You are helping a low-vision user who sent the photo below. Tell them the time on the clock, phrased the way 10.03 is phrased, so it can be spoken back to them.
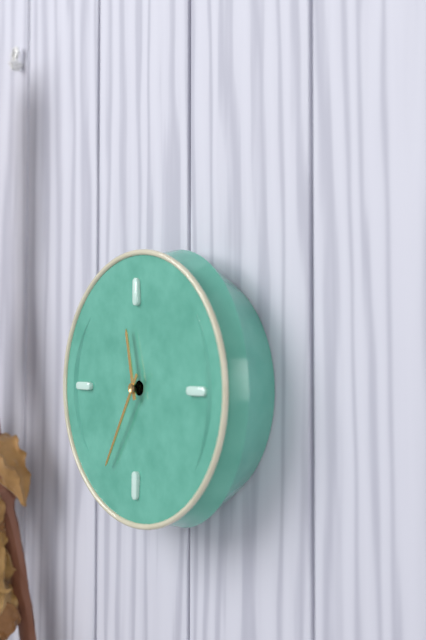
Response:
11.35
